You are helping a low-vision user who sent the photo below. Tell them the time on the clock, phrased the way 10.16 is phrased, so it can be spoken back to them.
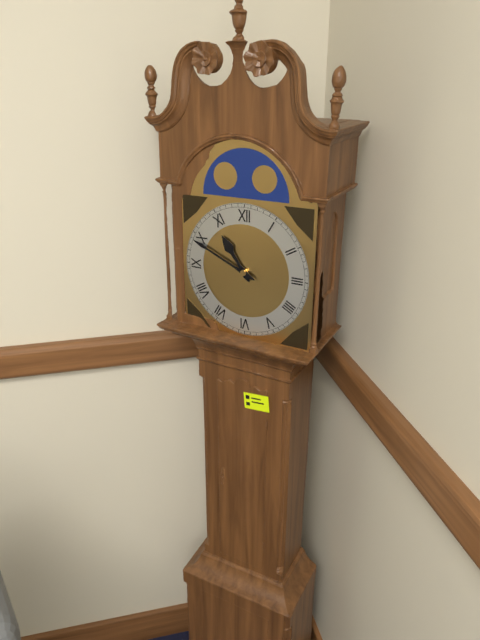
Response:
10.49
